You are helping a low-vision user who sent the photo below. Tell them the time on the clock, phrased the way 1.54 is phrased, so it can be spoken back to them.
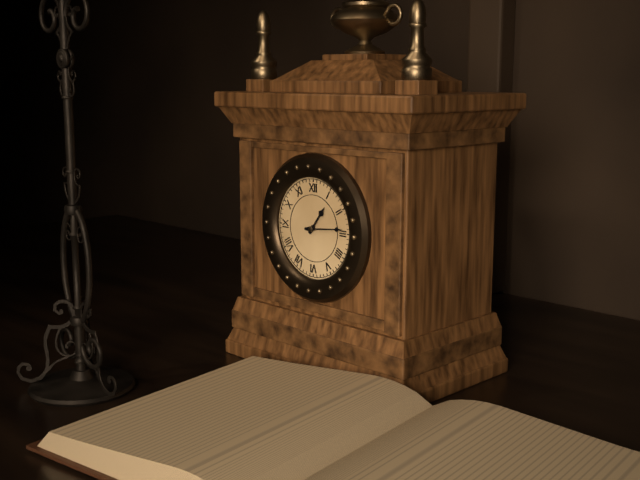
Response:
1.14
